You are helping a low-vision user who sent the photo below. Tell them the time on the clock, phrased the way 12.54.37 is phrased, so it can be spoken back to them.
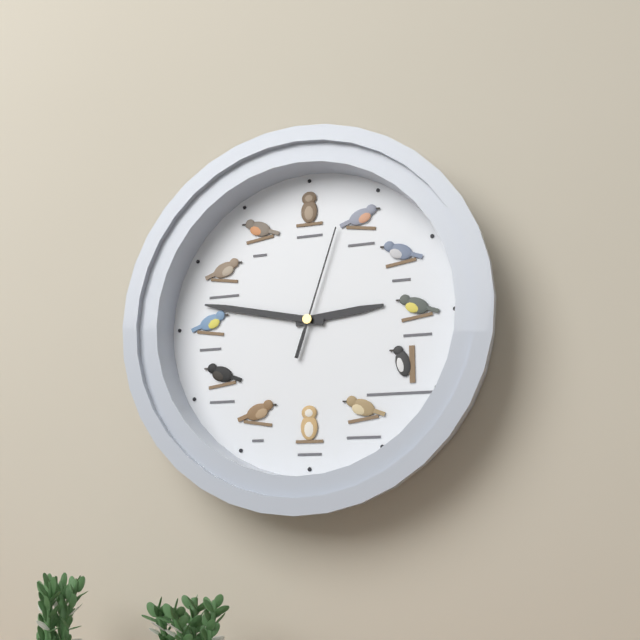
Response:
2.47.03
